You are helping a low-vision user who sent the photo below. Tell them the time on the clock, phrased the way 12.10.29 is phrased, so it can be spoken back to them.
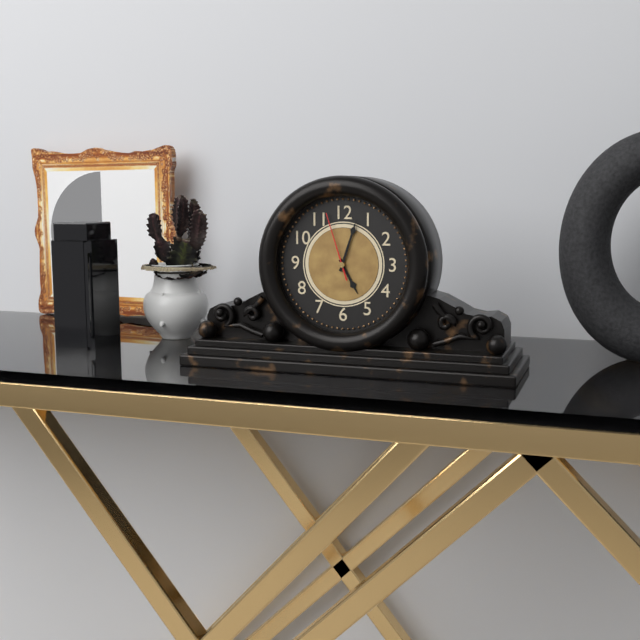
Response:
5.03.57
